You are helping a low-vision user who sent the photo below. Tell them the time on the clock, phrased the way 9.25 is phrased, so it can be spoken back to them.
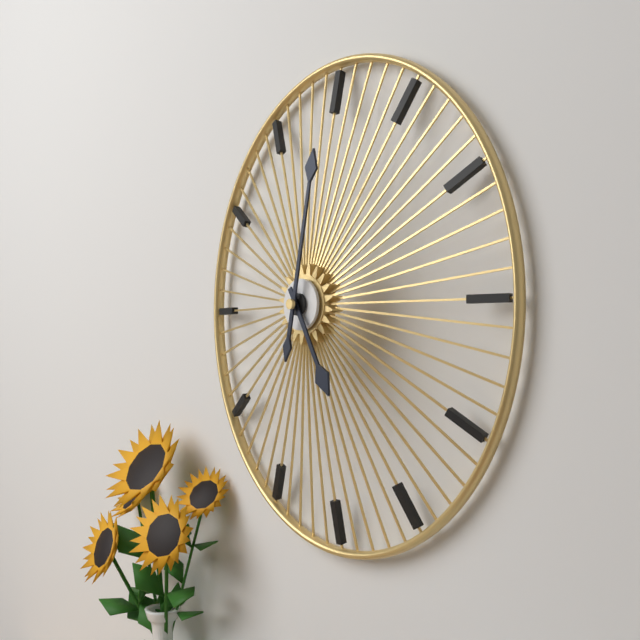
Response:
5.02
